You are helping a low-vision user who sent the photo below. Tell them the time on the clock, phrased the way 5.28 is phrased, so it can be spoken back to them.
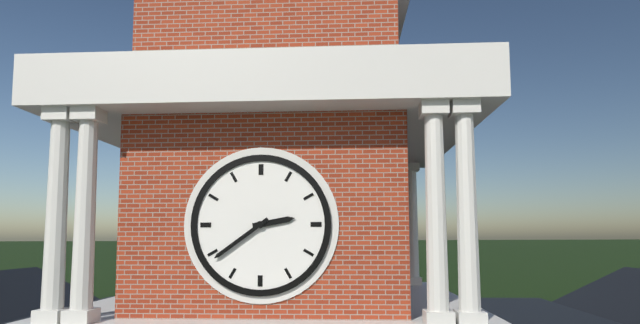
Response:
2.39
